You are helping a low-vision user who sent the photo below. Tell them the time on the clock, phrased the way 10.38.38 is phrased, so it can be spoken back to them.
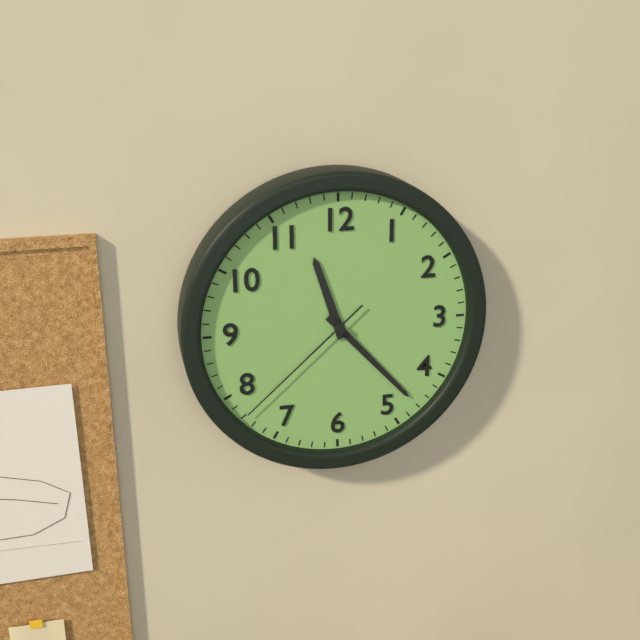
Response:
11.23.38
